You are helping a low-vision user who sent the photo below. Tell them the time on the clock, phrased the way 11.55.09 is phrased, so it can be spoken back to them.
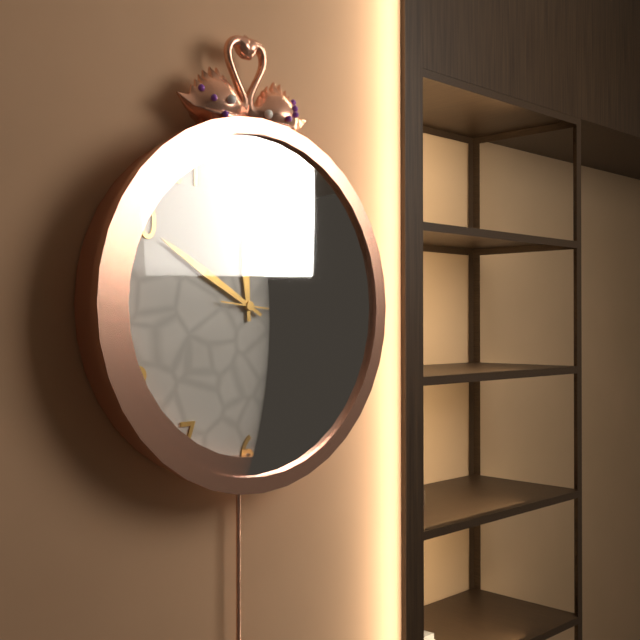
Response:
11.50.16
